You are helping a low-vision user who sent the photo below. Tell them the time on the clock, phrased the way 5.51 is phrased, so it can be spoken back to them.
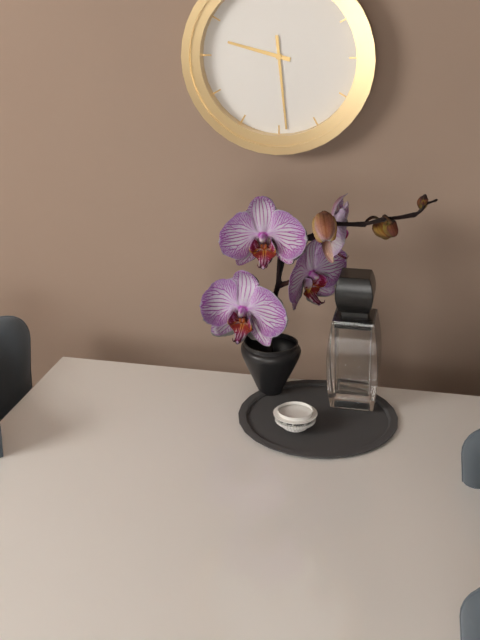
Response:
9.29
